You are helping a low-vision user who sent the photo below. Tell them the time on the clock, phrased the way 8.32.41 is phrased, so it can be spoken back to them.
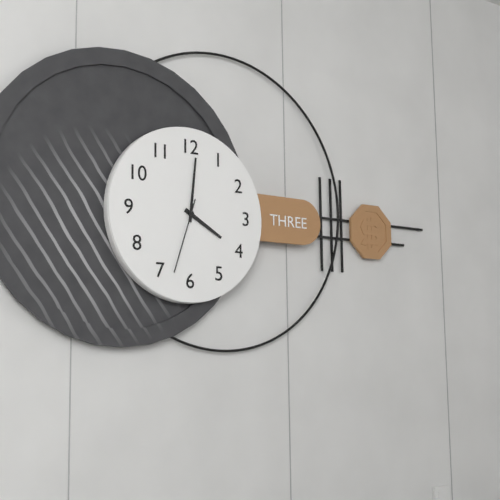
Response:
4.01.33
